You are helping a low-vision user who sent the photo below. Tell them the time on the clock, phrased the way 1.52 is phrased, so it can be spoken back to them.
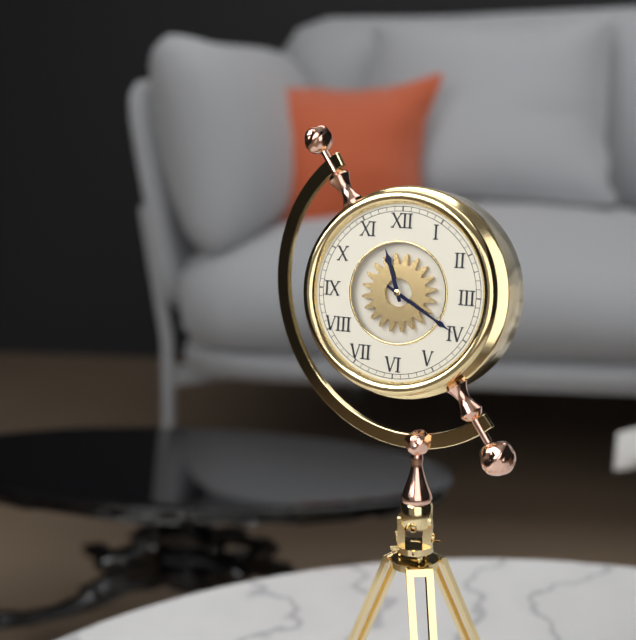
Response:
11.20
